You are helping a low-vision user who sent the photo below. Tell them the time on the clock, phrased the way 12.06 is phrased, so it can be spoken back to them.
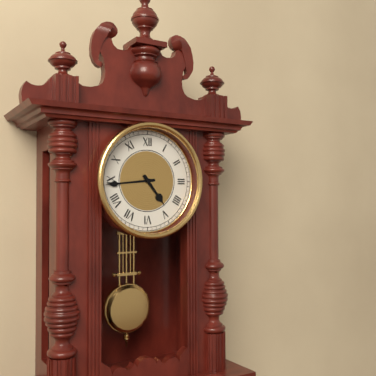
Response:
4.44
